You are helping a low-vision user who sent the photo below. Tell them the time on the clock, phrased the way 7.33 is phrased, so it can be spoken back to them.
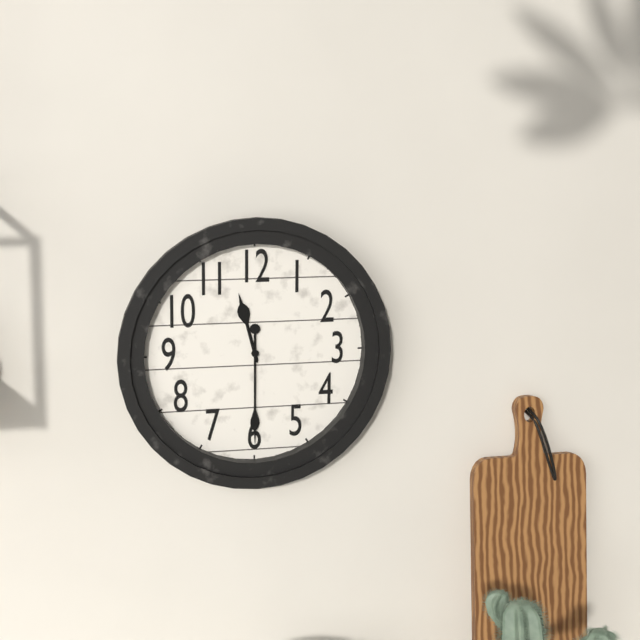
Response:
11.30
